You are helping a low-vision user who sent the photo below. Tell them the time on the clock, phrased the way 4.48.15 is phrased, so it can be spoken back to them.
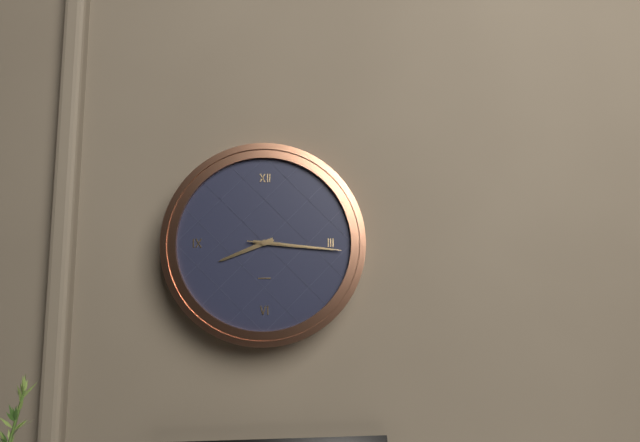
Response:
8.16.16
